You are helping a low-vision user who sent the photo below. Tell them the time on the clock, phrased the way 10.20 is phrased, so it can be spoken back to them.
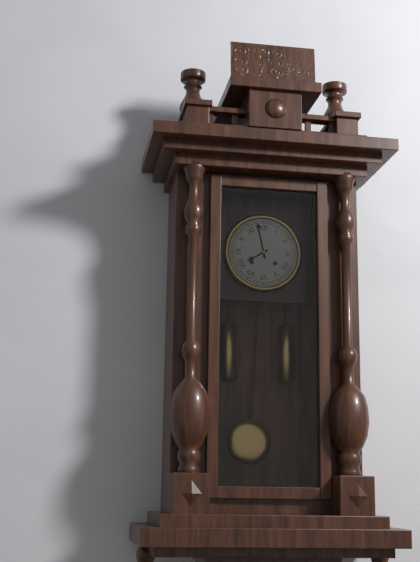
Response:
7.58
